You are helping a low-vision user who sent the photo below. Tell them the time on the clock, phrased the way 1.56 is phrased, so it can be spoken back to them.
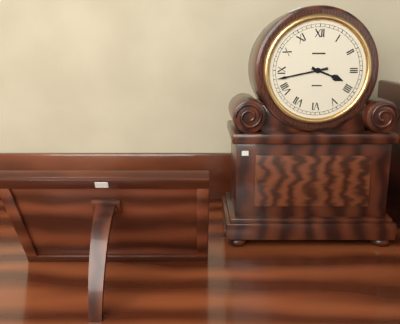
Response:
3.43
